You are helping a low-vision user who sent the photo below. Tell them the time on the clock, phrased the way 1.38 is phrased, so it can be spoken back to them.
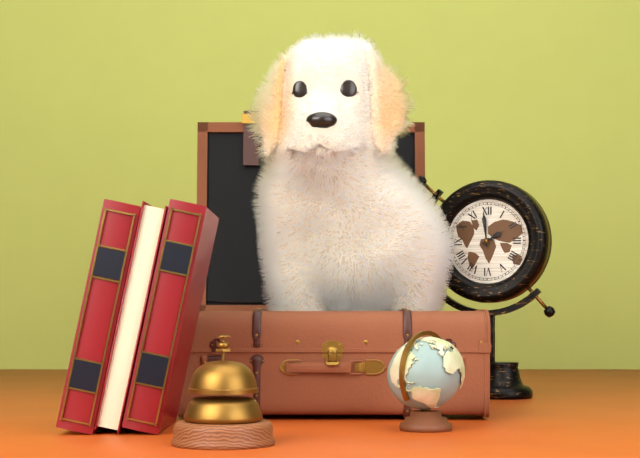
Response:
1.59
